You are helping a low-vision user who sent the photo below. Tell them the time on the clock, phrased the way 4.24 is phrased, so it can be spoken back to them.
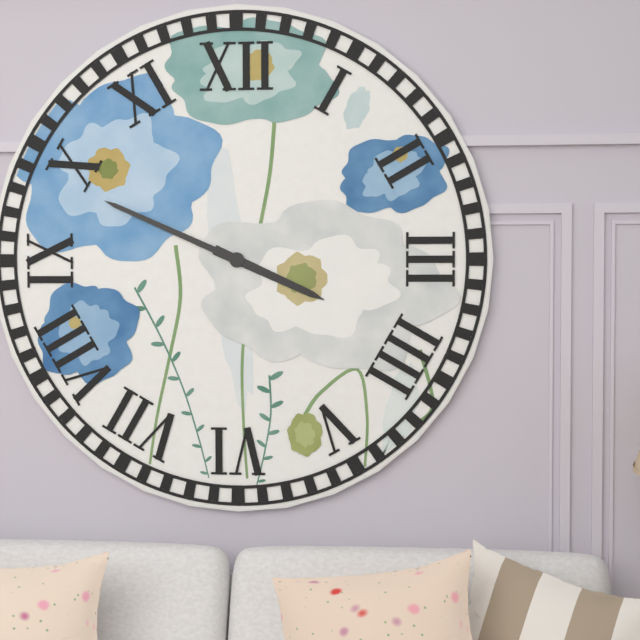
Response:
3.49
